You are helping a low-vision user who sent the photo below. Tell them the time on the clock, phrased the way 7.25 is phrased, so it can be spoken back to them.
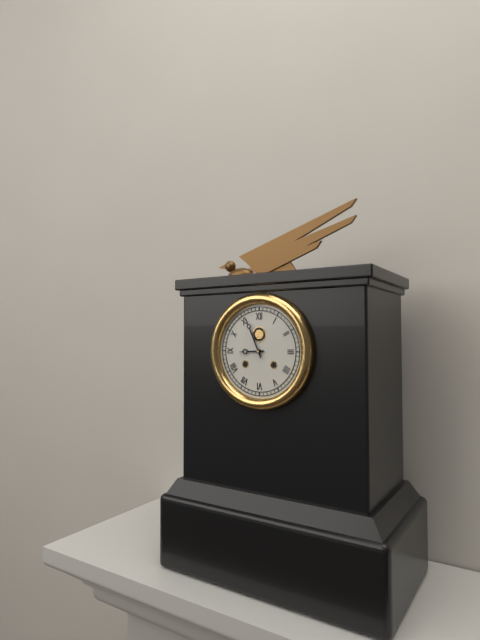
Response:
8.56
